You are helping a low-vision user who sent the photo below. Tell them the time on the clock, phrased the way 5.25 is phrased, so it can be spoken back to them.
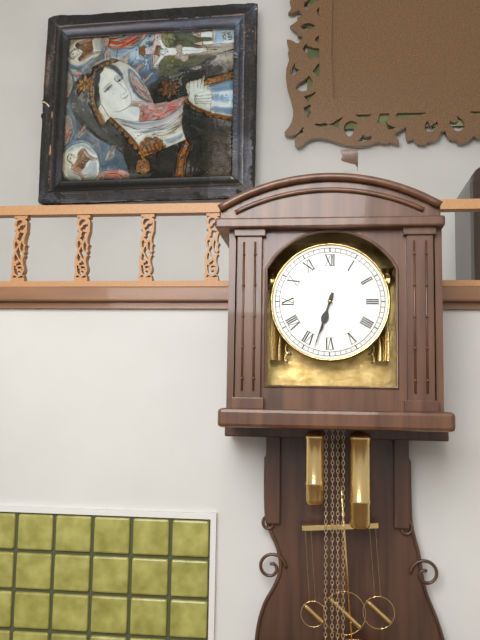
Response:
6.33
